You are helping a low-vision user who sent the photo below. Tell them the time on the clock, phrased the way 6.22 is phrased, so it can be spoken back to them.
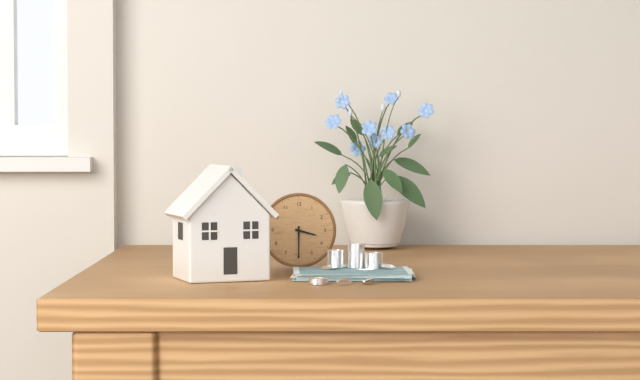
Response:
3.30
